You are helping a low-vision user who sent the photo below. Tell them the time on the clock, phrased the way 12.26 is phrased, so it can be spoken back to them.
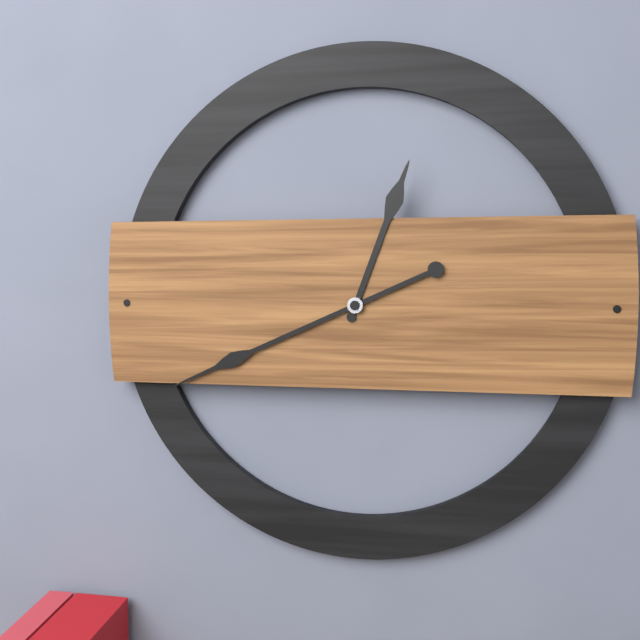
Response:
12.41
